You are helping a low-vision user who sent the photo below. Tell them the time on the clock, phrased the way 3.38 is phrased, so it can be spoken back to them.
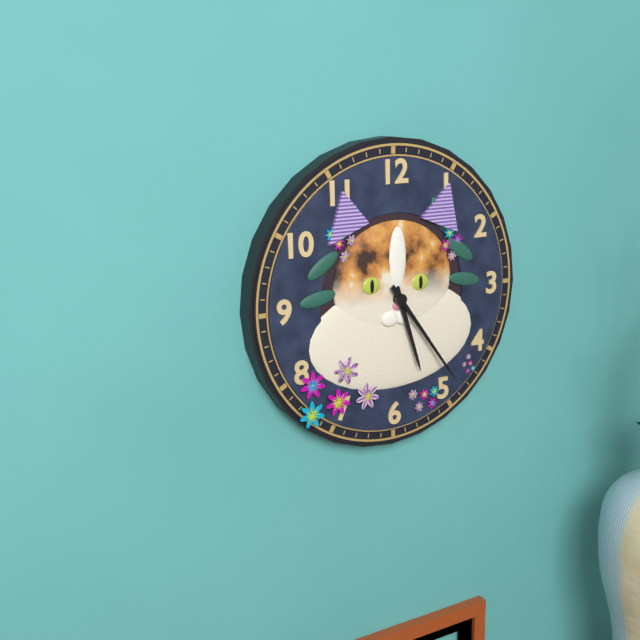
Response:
5.24
